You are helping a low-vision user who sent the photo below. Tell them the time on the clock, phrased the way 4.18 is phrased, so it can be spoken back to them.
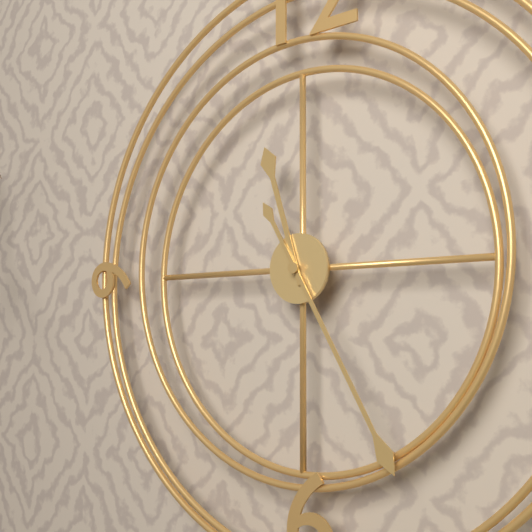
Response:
11.25
